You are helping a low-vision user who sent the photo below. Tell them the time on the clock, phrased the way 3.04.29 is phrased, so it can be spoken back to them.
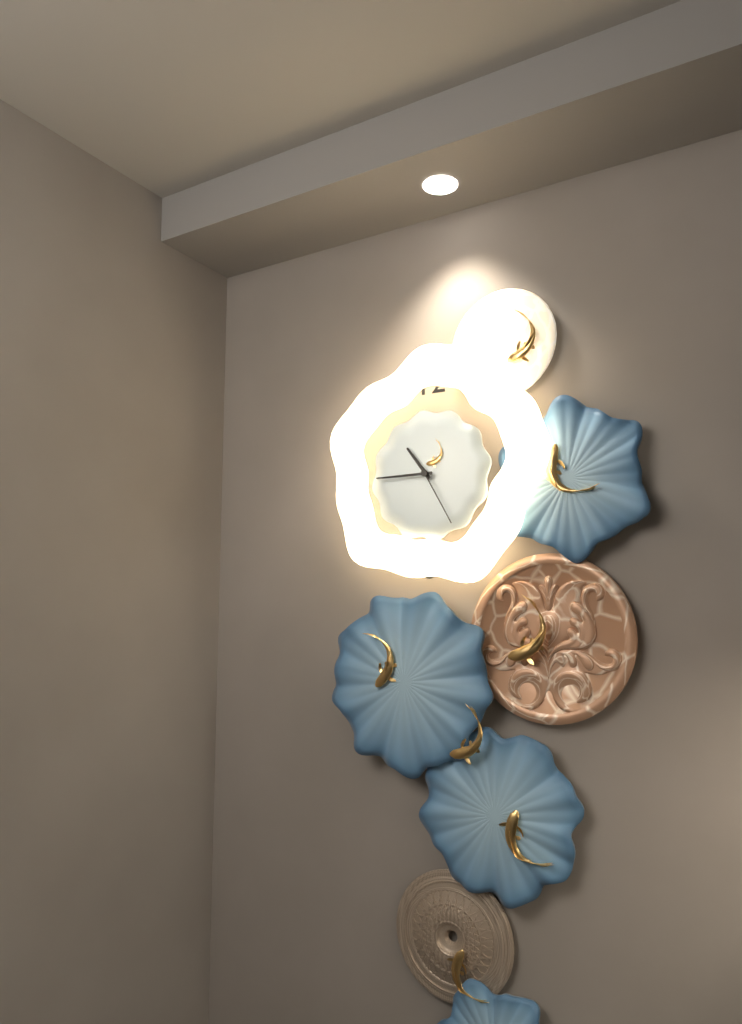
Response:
10.45.25
